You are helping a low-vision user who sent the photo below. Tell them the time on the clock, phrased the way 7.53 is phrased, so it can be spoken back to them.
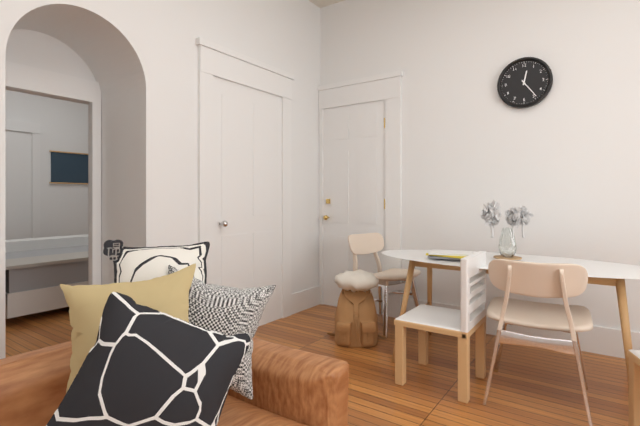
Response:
12.24
